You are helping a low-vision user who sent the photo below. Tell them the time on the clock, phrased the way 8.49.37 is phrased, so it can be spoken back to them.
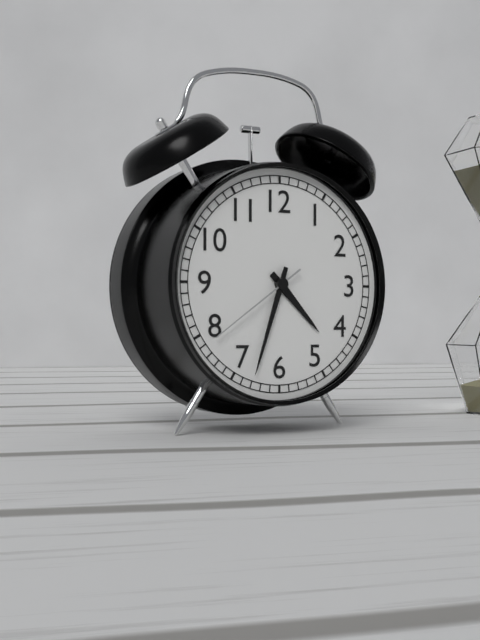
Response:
4.33.39
